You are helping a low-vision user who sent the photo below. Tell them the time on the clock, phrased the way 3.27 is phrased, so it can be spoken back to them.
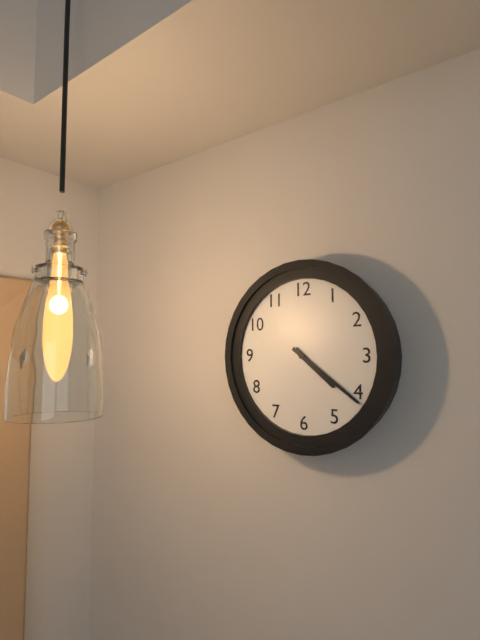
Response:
4.21
